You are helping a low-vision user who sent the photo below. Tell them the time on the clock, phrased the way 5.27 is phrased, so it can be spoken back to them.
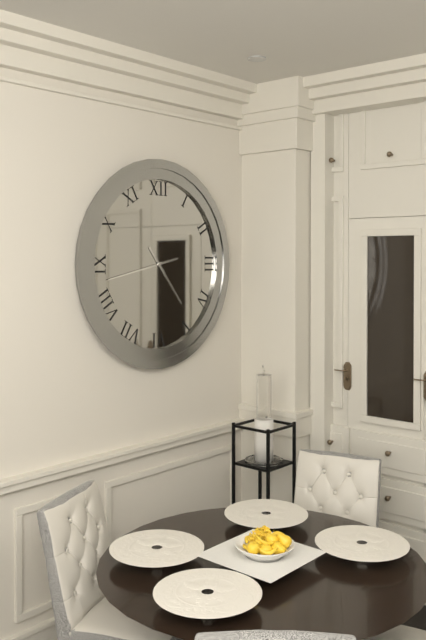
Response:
4.43
